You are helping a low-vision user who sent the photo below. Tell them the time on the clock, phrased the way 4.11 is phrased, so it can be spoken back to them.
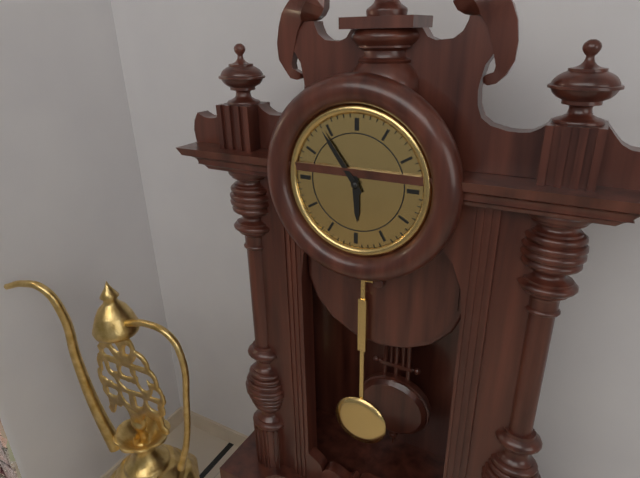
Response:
5.54
